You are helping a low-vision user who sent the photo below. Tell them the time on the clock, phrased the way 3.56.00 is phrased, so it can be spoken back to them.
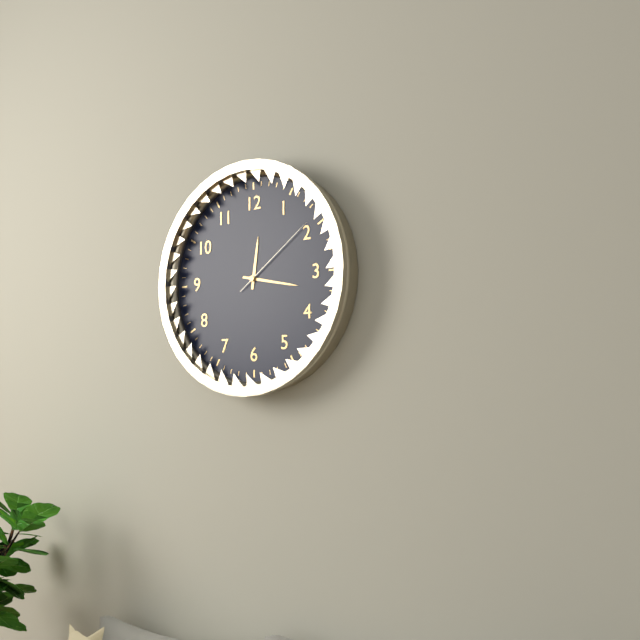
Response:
12.17.09
